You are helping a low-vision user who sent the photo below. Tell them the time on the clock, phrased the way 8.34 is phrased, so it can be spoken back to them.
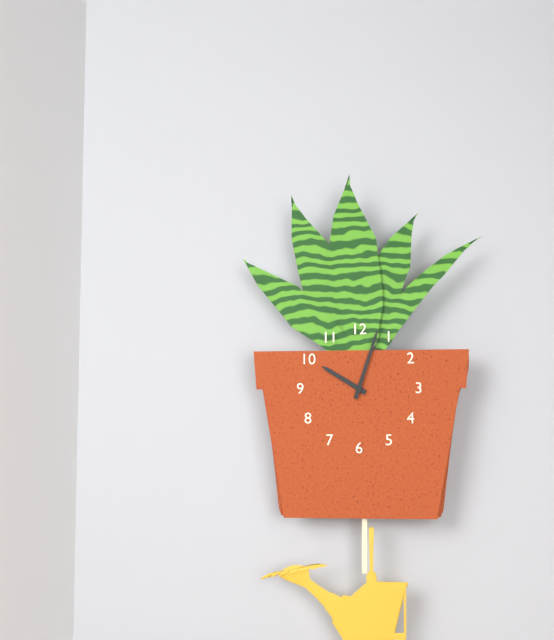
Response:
10.03
